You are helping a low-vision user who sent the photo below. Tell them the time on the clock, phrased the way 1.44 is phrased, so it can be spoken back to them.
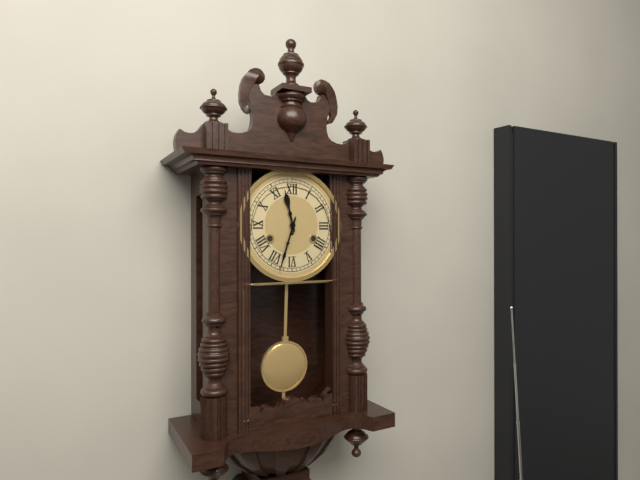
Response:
11.33
